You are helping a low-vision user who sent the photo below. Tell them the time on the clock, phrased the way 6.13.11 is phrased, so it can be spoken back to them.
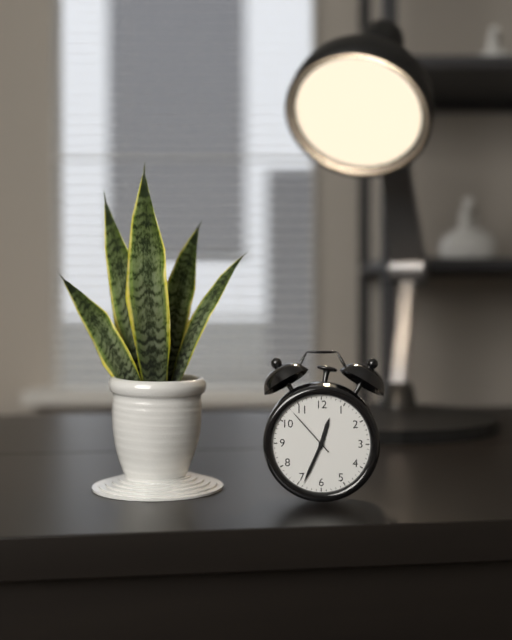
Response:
12.34.53
